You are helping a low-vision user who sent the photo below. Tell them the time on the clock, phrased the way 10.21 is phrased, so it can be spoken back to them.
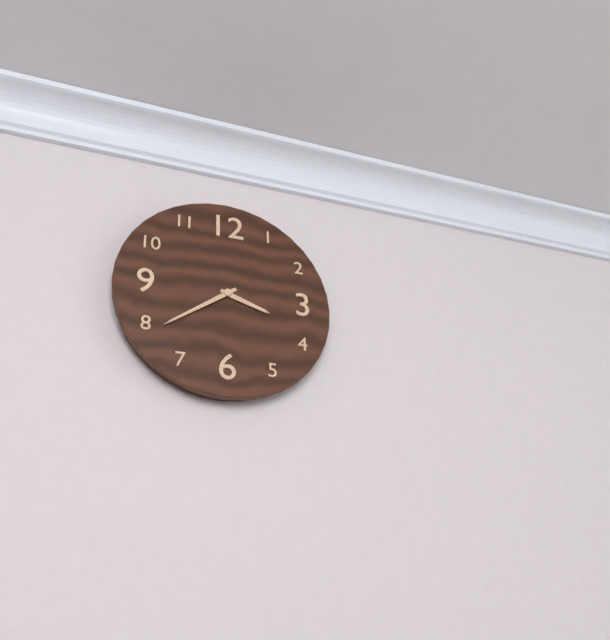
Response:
3.39
